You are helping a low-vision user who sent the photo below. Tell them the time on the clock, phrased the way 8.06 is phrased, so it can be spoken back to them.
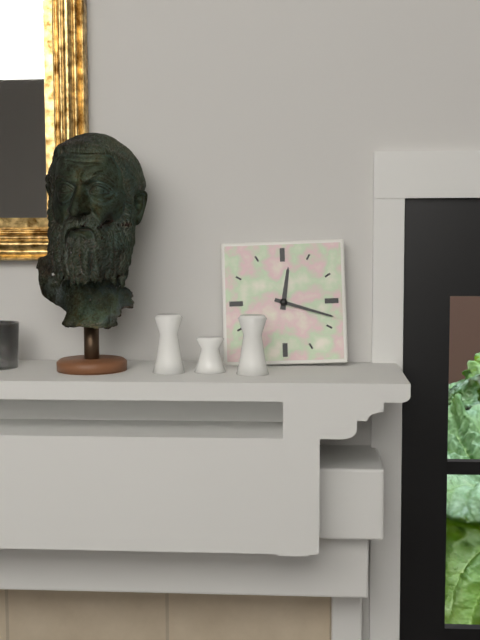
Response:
12.18
